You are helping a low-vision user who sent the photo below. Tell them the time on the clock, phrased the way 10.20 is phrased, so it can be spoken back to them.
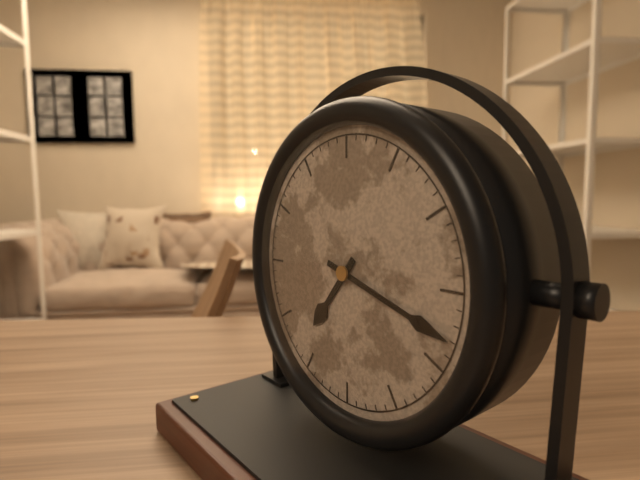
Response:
7.18
